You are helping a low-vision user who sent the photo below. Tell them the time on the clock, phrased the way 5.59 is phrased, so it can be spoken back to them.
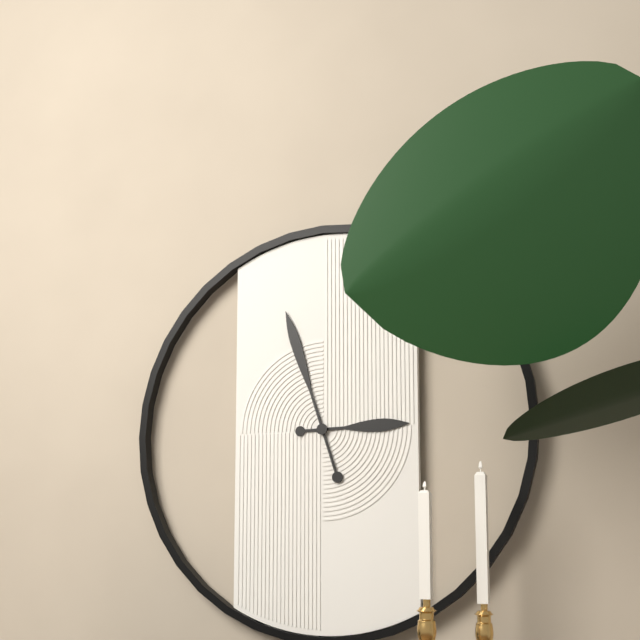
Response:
2.57
